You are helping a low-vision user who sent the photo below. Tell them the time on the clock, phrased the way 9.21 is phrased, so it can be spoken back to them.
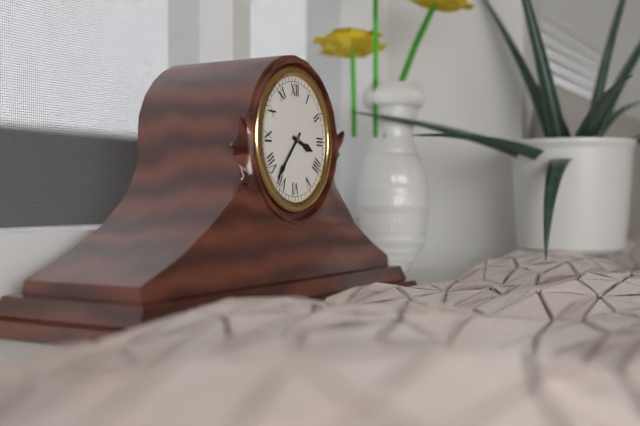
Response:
3.37
